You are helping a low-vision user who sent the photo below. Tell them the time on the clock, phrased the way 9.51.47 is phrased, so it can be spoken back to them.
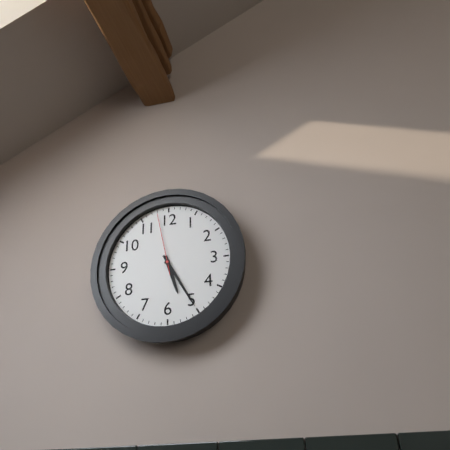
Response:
5.25.58
